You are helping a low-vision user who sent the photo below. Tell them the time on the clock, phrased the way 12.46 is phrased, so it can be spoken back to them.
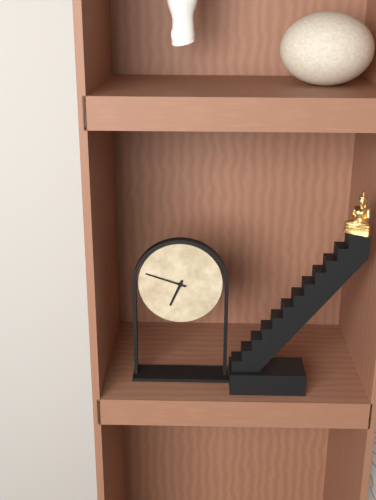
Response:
6.48
